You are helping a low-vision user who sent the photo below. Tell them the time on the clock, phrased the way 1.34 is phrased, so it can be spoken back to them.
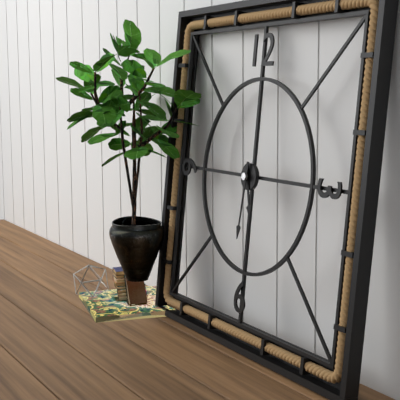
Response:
5.31
